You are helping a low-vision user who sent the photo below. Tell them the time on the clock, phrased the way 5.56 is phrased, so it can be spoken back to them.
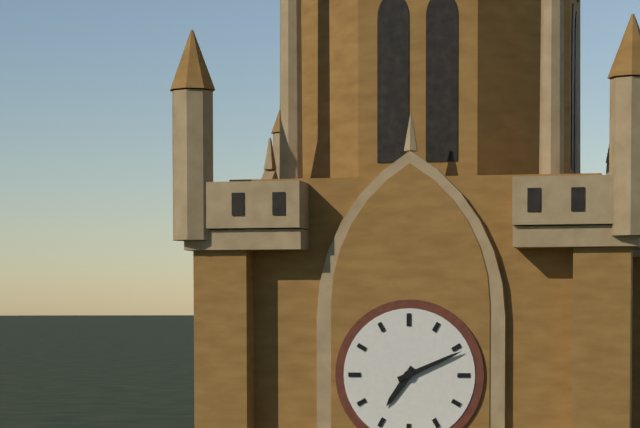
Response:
7.11
